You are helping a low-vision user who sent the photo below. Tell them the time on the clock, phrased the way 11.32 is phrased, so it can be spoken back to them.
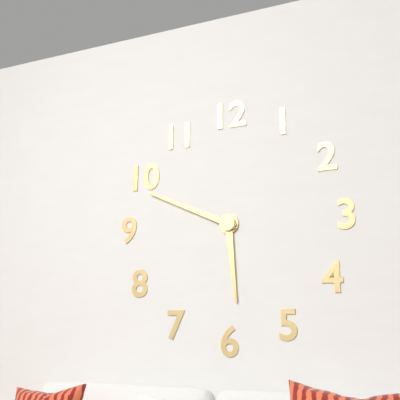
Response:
5.49
